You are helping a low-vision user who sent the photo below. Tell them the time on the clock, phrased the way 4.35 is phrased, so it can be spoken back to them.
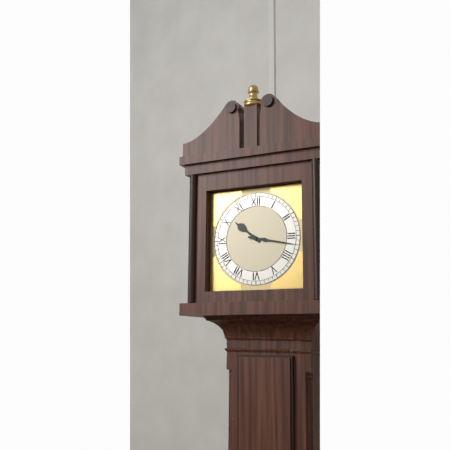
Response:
10.17
